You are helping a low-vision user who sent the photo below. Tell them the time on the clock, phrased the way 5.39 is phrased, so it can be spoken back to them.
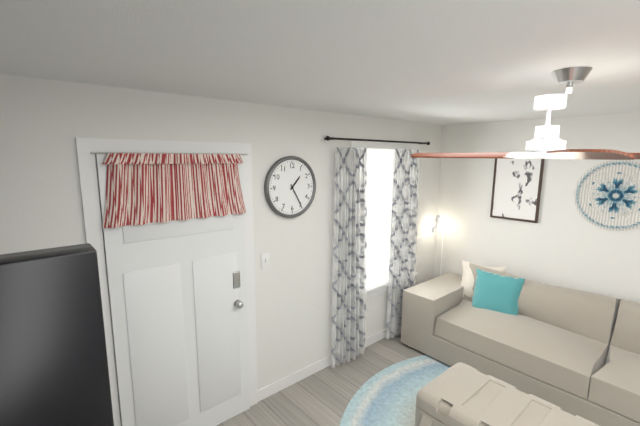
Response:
1.25
